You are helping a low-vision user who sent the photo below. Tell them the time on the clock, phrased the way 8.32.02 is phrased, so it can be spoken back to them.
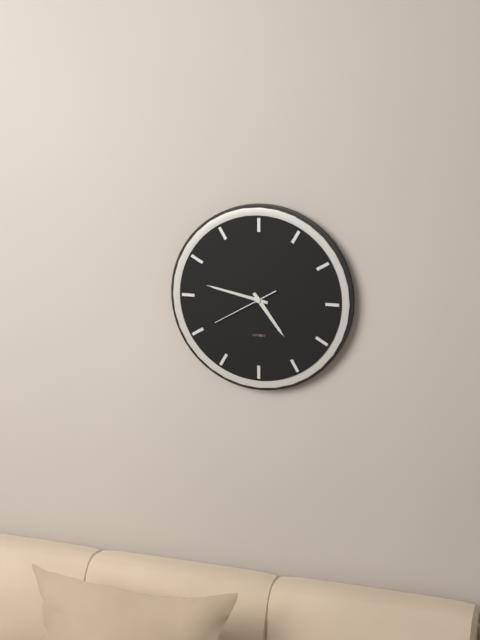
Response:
4.47.40
